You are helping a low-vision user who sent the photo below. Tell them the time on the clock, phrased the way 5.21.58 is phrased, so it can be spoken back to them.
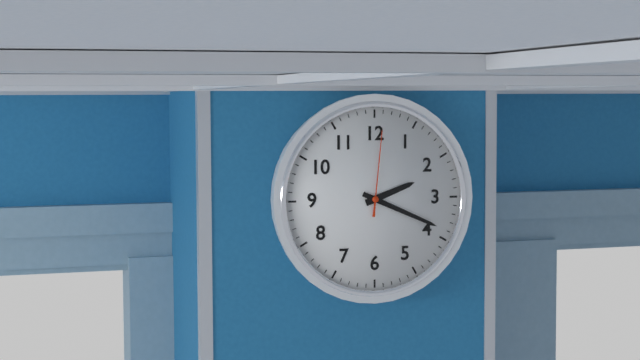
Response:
2.19.01
